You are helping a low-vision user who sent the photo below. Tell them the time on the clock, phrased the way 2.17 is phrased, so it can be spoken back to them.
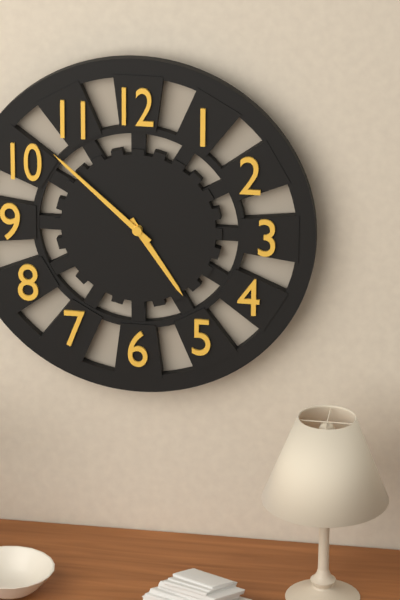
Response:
4.52
